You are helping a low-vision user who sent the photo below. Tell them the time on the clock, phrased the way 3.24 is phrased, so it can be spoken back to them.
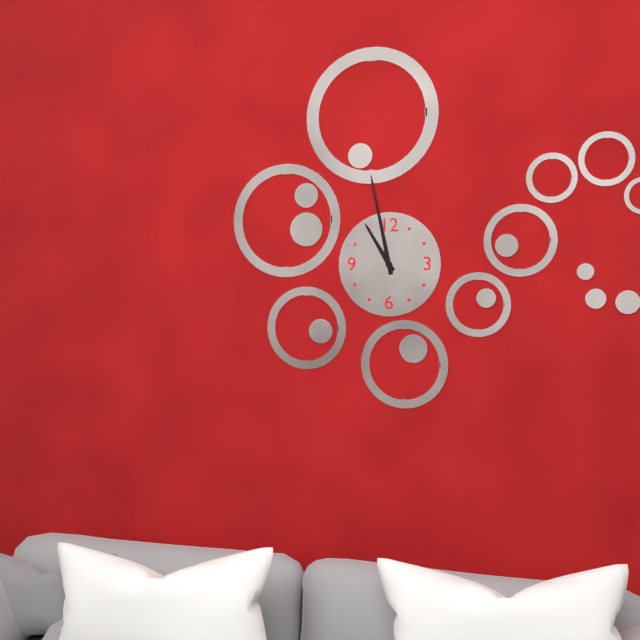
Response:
10.58
